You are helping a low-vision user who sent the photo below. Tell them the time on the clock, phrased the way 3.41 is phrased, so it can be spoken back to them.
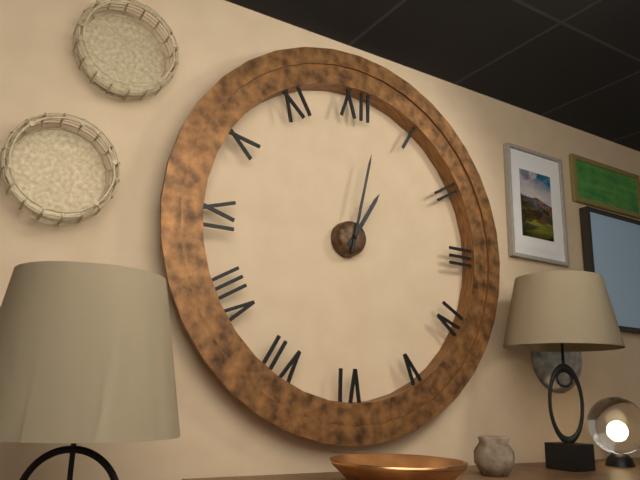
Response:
1.02
